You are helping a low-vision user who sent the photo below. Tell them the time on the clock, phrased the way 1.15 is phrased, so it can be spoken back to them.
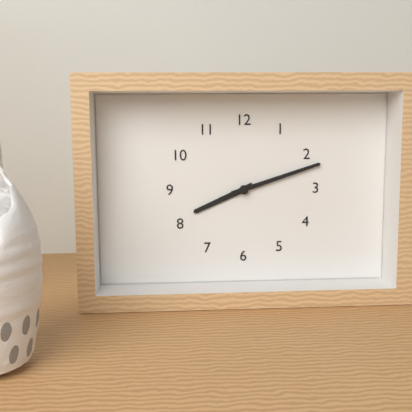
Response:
8.12
